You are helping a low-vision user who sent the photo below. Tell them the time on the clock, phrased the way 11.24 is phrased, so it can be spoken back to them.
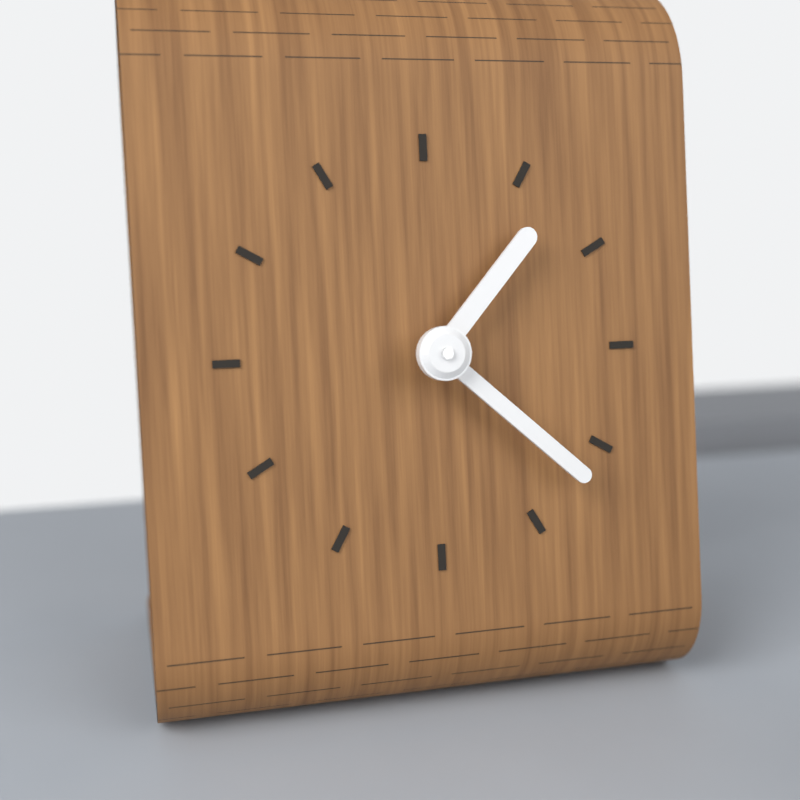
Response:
1.22
